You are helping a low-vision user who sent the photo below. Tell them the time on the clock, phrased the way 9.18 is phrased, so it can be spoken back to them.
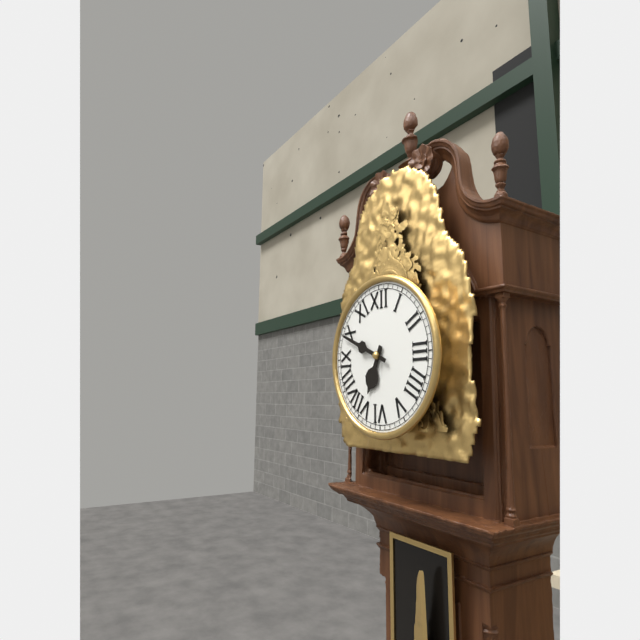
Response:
6.49
